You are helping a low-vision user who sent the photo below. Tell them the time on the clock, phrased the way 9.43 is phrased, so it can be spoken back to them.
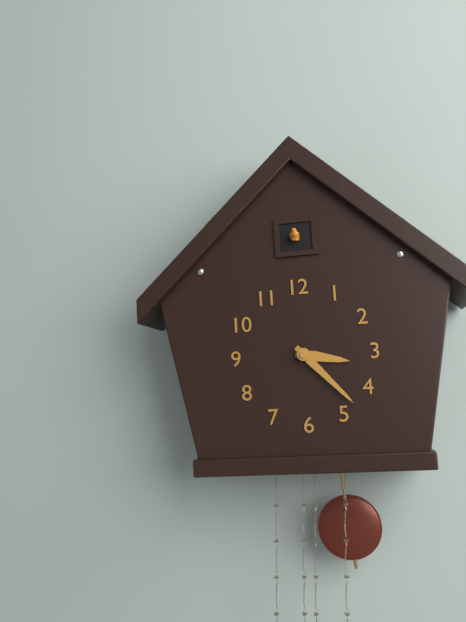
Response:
3.23
